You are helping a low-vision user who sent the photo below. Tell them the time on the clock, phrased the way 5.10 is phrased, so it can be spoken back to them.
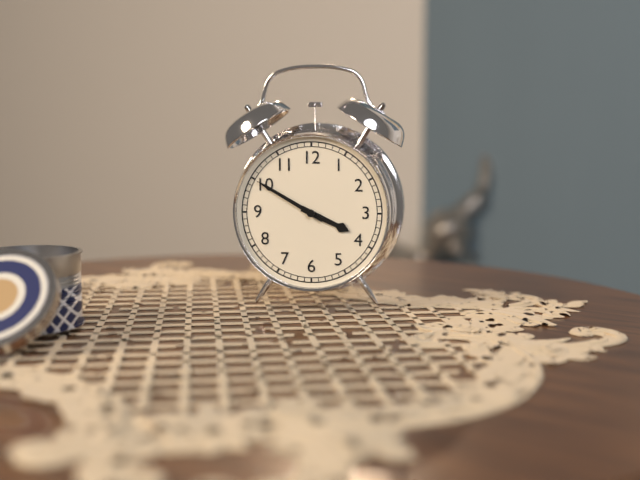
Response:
3.50
